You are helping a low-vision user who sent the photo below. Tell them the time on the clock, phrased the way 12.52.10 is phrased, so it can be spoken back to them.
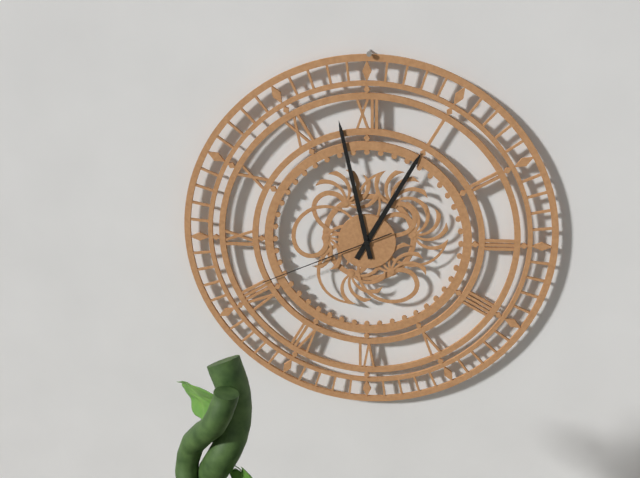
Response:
12.58.41
